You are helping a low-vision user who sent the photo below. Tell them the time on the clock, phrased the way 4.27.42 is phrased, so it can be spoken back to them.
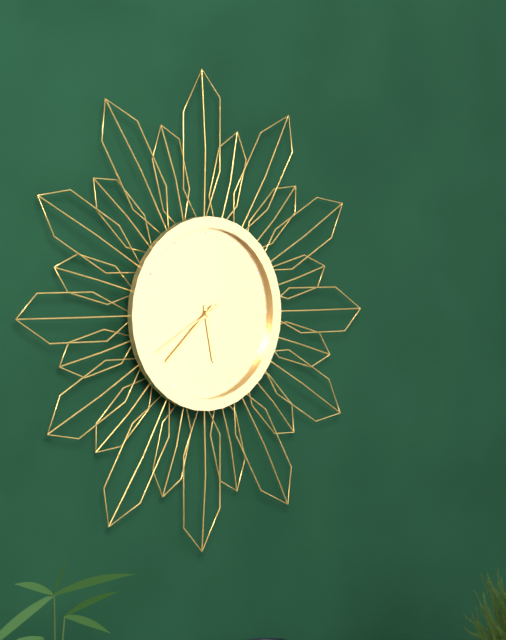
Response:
5.38.40
